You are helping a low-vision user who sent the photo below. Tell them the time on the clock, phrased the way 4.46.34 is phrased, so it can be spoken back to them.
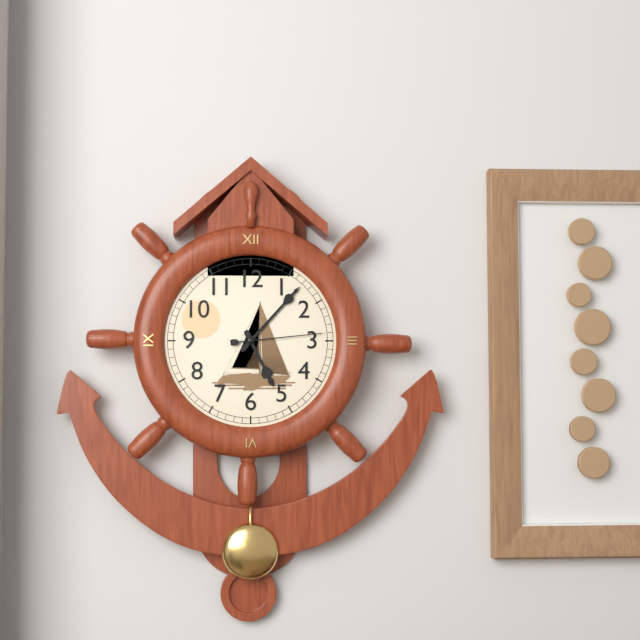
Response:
5.07.14
